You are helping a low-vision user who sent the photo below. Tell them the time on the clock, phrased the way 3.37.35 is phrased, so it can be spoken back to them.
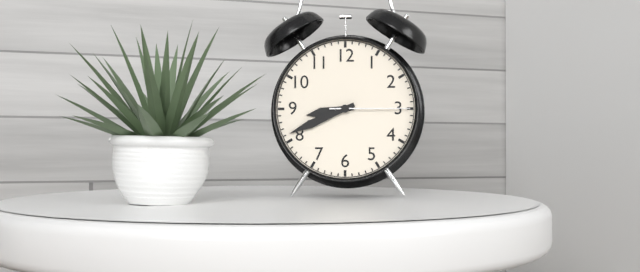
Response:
8.41.15
